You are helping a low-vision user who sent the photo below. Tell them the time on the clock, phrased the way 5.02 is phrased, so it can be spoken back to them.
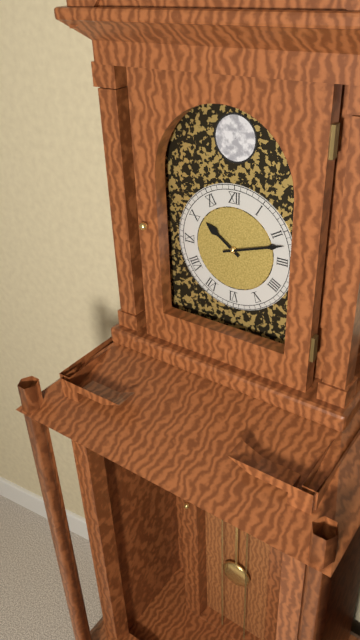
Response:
10.12
